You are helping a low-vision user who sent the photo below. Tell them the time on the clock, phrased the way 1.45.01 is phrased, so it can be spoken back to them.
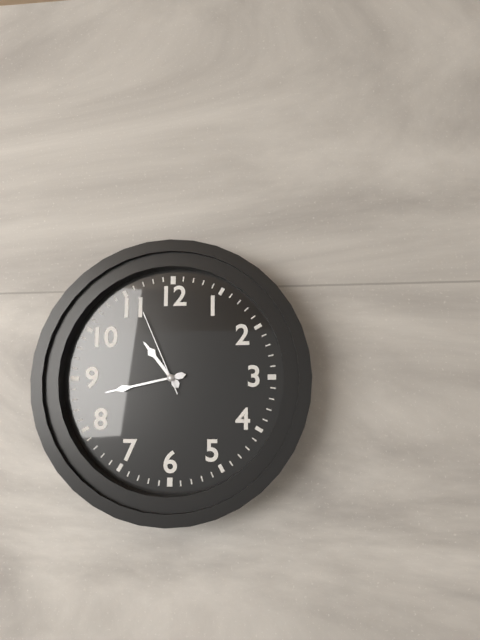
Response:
10.43.56
